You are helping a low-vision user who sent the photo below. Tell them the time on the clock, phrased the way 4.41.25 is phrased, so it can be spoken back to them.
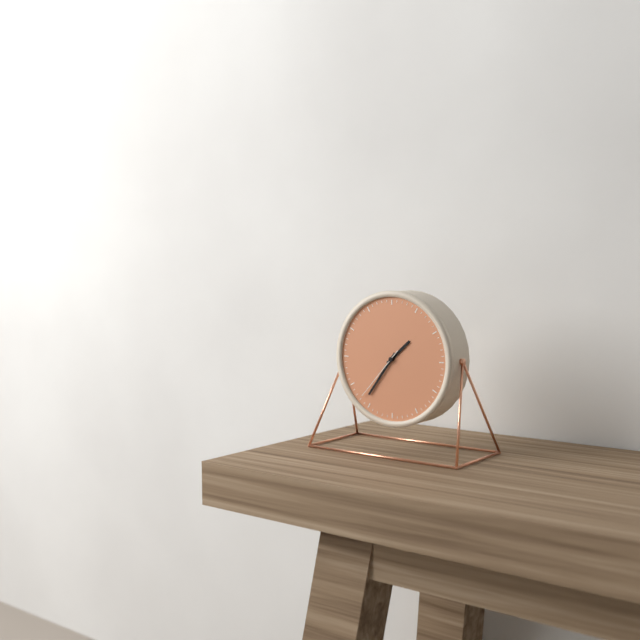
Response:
1.36.37
